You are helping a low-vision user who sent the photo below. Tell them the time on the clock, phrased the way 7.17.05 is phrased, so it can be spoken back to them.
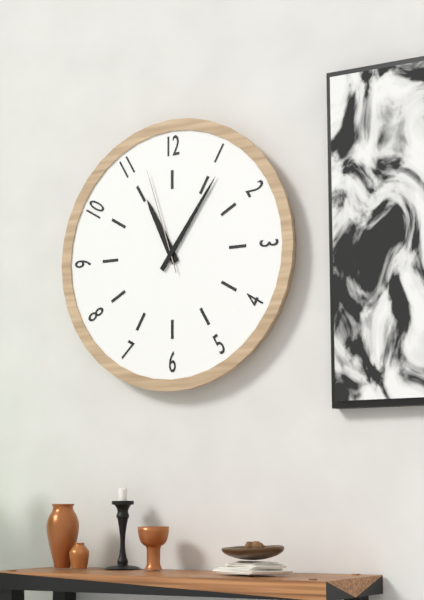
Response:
11.06.57
